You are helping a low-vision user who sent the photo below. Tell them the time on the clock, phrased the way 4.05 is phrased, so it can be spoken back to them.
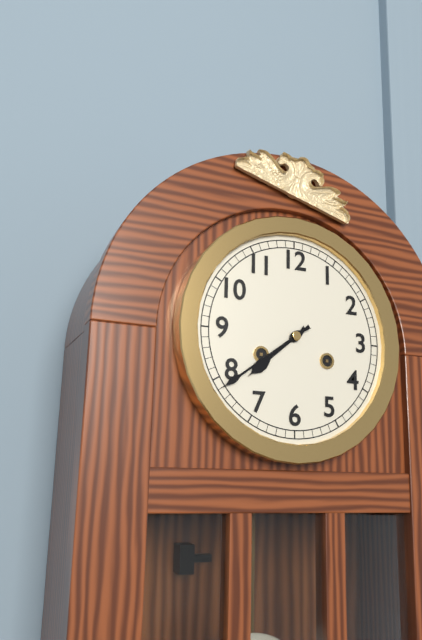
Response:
7.39
